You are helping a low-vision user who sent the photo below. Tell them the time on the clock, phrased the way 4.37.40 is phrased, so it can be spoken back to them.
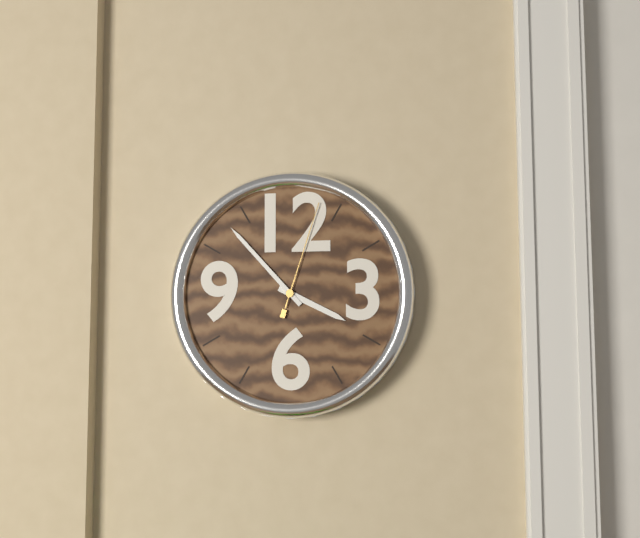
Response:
3.53.03
